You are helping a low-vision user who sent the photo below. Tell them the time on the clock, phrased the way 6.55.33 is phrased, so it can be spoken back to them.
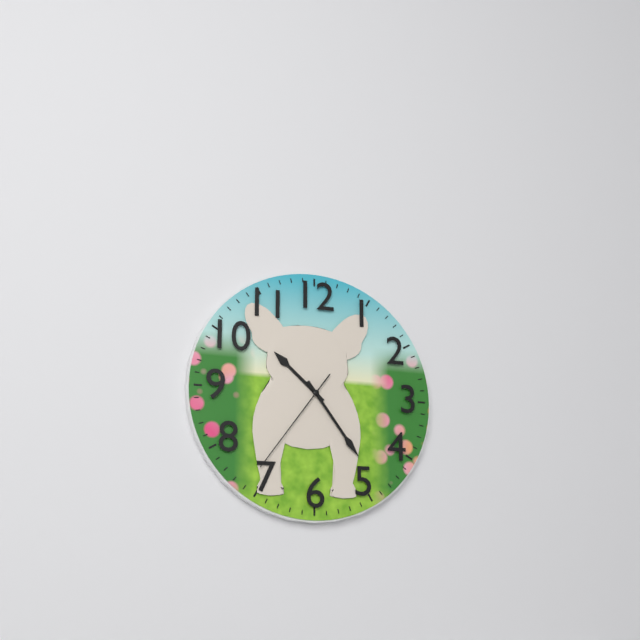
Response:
10.24.36
